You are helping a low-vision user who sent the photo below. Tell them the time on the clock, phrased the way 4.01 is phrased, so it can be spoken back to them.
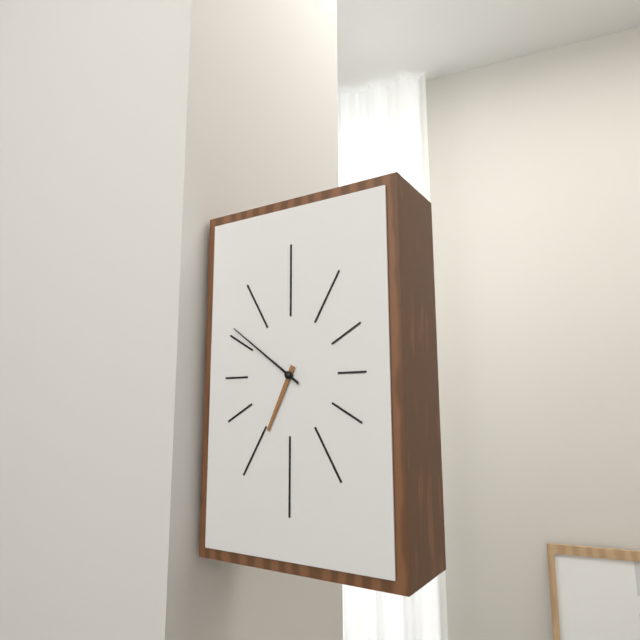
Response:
6.51
